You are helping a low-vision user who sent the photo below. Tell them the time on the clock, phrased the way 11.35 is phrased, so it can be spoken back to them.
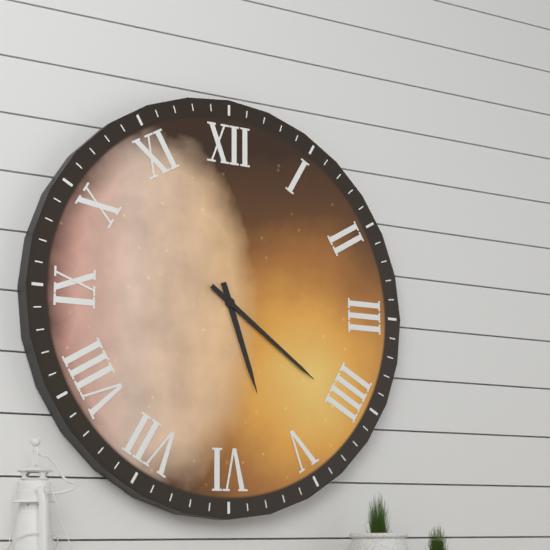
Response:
5.21
